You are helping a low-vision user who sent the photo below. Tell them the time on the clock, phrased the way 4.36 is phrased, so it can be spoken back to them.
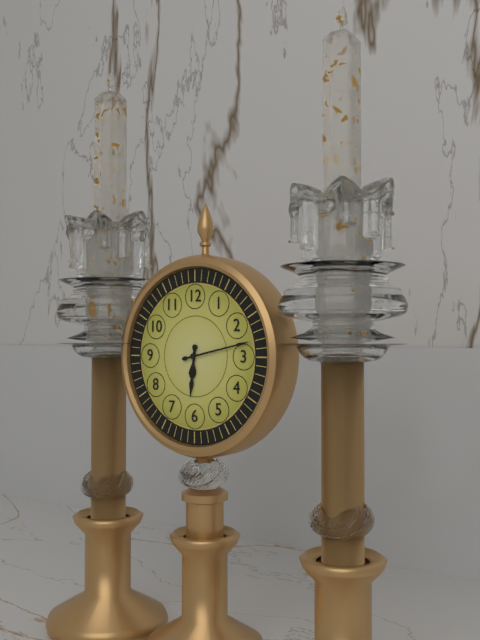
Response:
6.13
